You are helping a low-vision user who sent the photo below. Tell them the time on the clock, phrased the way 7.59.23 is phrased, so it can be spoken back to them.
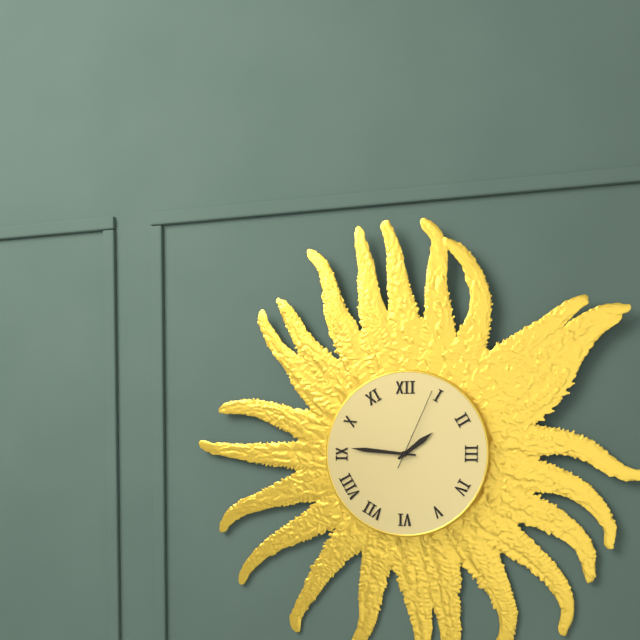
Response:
1.46.04
